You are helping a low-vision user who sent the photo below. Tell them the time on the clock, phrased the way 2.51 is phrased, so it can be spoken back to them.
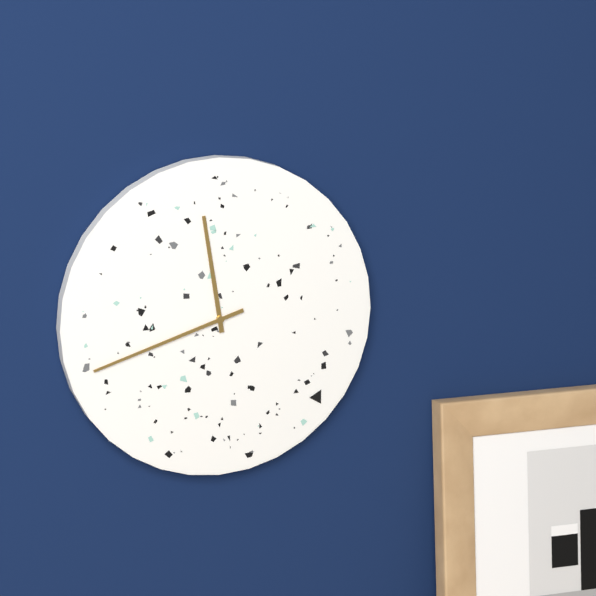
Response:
11.42
